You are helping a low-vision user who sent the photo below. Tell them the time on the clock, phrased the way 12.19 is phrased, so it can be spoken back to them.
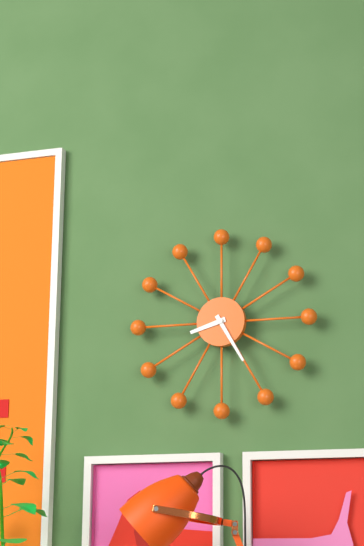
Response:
8.25
